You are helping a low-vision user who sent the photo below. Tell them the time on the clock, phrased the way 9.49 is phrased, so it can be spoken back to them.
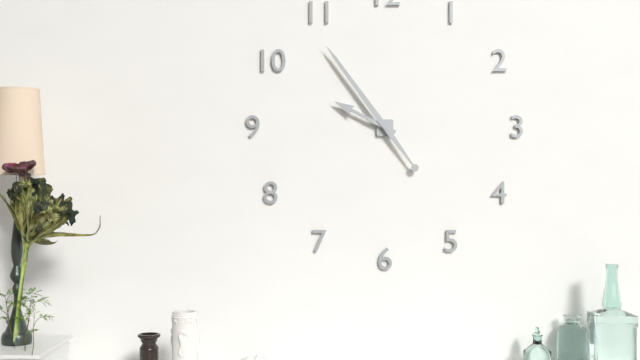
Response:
9.54
